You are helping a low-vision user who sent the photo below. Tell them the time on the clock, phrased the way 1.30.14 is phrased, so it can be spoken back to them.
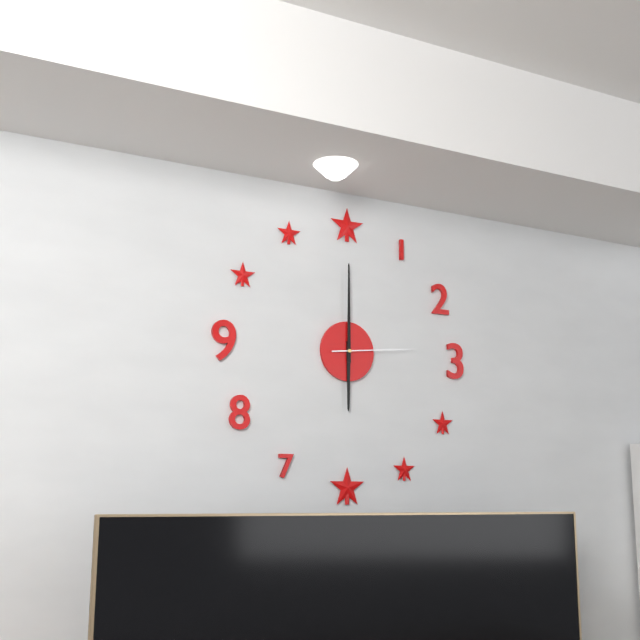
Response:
6.00.14
